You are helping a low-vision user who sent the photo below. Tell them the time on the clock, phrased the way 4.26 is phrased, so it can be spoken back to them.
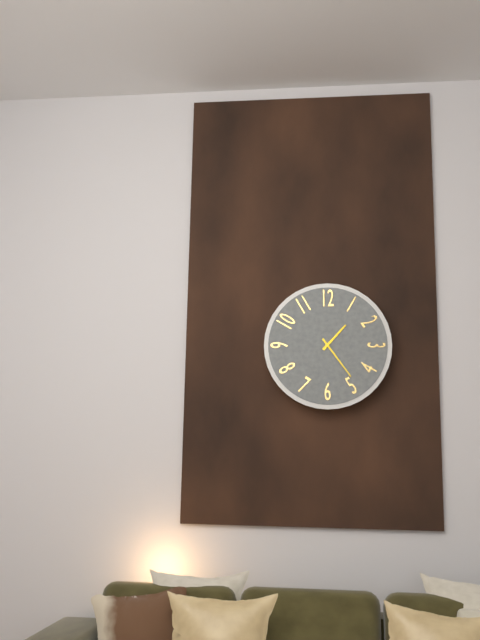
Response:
1.24
